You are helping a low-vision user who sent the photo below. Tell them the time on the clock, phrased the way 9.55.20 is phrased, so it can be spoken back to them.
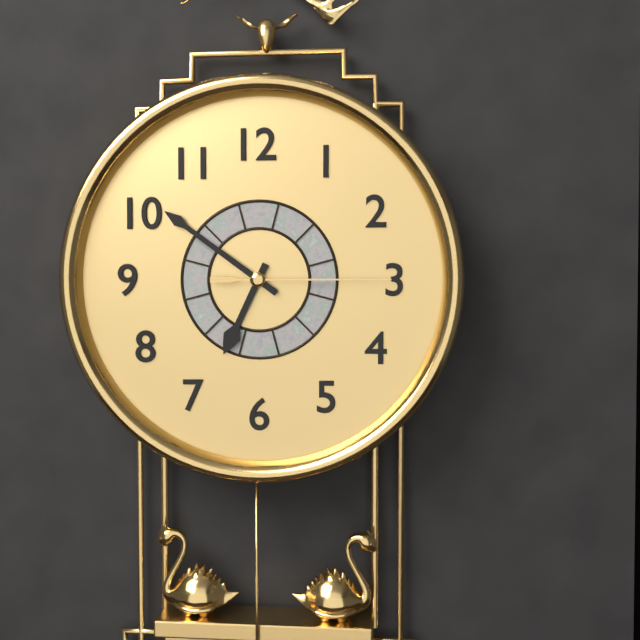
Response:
6.51.15
